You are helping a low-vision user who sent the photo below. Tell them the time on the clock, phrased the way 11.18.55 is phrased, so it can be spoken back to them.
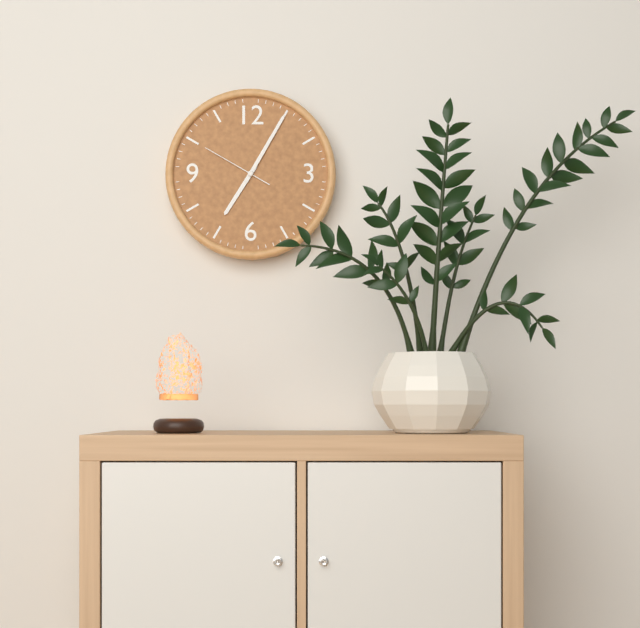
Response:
7.05.50
